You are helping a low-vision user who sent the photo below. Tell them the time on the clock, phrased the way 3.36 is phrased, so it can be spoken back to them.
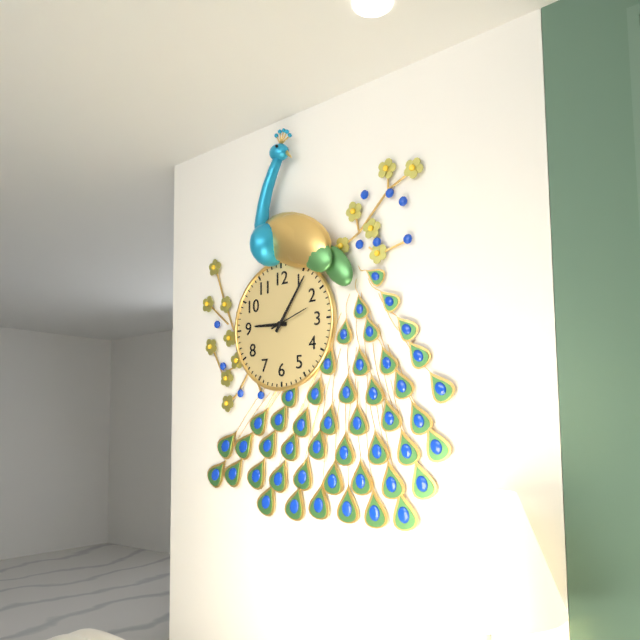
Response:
9.06
